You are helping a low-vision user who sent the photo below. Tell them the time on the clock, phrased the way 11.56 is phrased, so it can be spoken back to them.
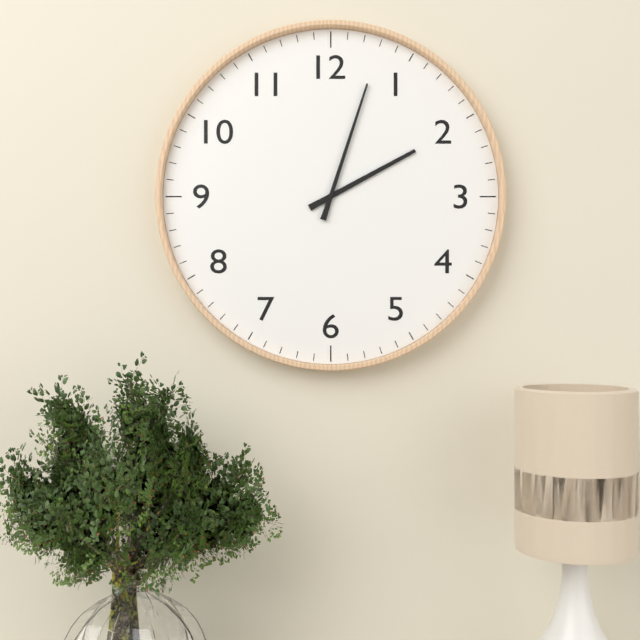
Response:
2.03
